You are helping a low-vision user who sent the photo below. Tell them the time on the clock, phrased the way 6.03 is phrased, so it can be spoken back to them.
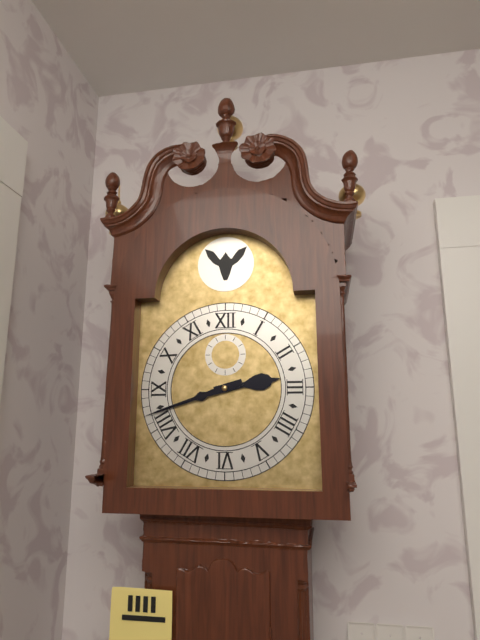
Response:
2.42
